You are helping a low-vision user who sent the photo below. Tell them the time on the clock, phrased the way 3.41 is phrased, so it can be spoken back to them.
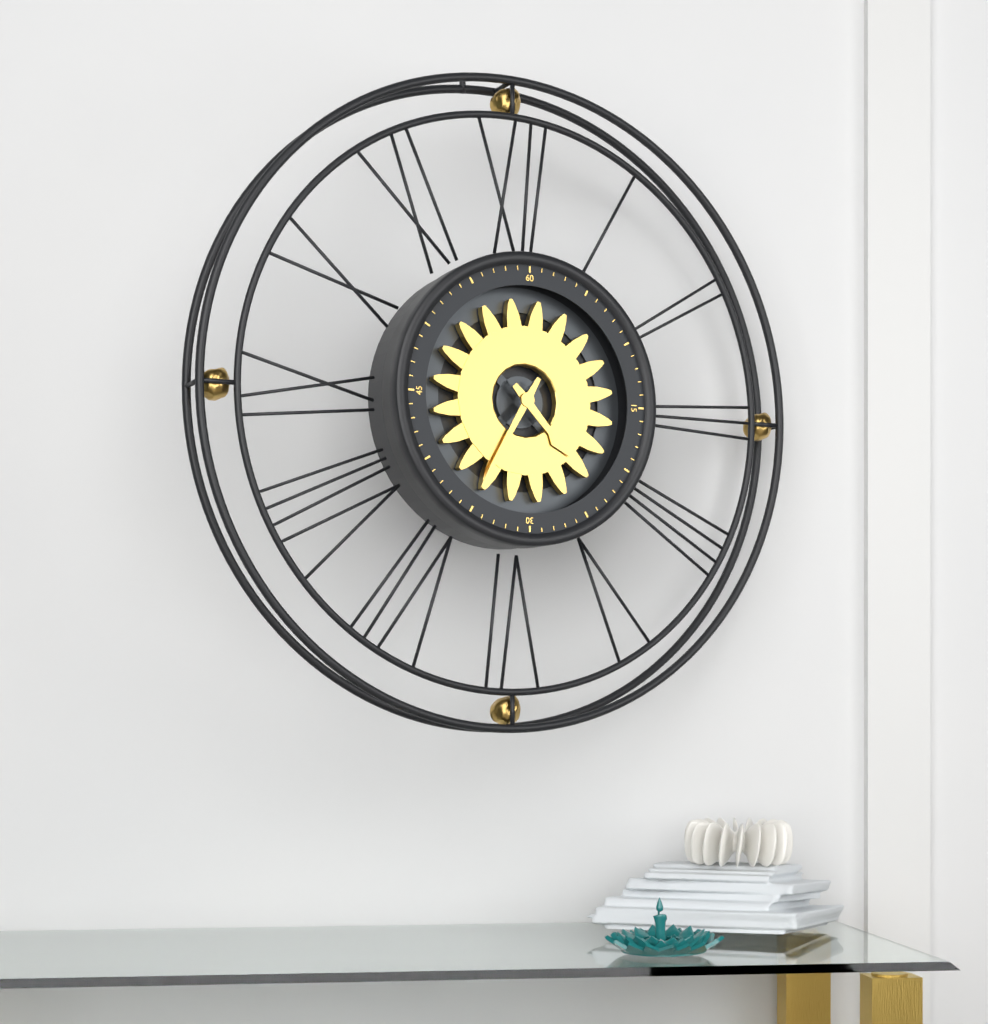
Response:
4.35
